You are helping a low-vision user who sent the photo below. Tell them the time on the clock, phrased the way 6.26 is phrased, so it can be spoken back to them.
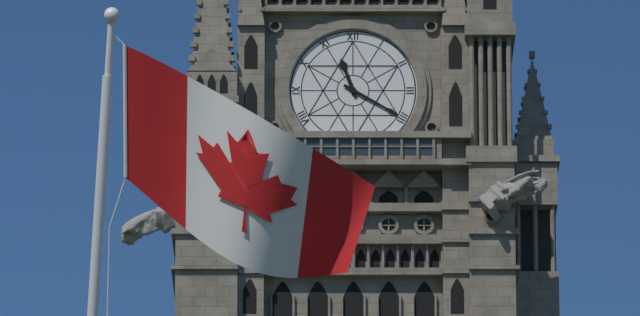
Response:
11.20
